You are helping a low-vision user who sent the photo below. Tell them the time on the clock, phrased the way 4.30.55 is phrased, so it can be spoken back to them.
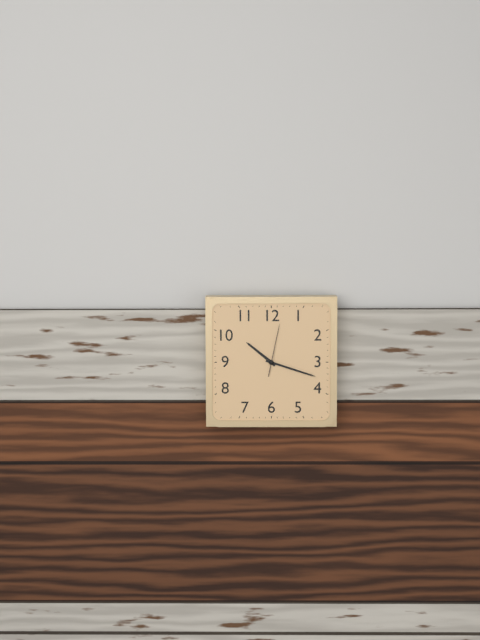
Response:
10.18.02
